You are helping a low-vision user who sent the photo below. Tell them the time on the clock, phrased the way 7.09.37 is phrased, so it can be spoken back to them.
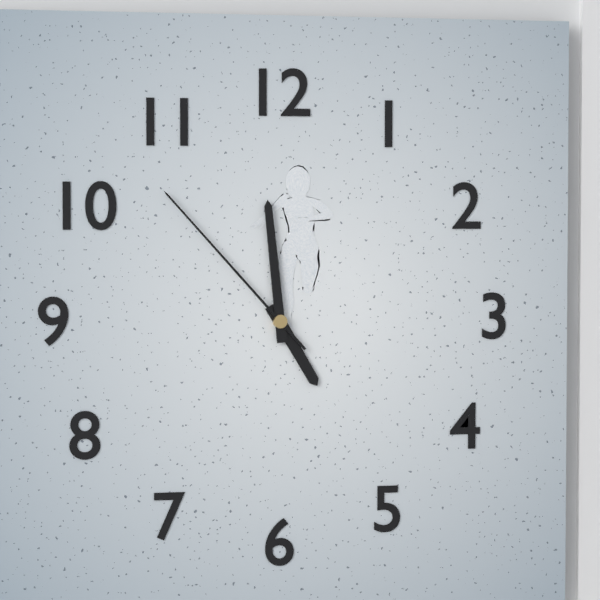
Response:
4.59.53
